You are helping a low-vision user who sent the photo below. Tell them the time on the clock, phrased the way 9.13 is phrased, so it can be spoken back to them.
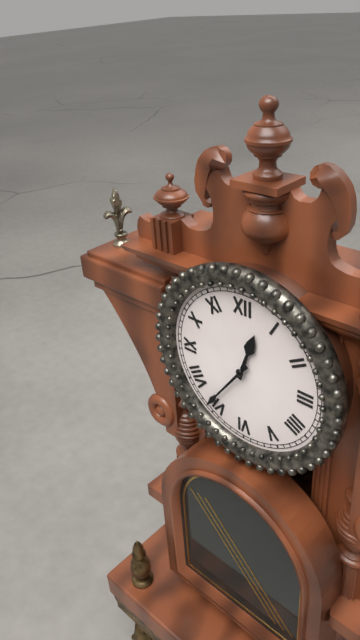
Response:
12.36
